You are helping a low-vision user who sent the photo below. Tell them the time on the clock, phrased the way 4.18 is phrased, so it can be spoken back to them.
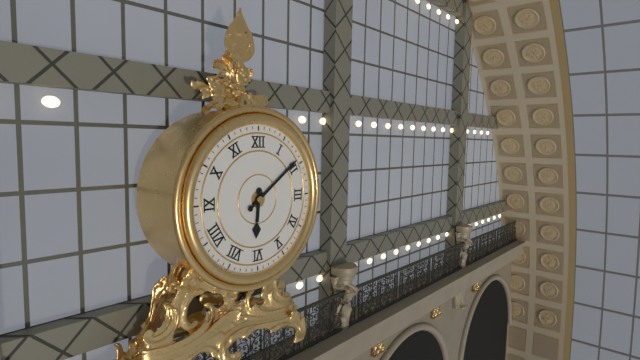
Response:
6.09
